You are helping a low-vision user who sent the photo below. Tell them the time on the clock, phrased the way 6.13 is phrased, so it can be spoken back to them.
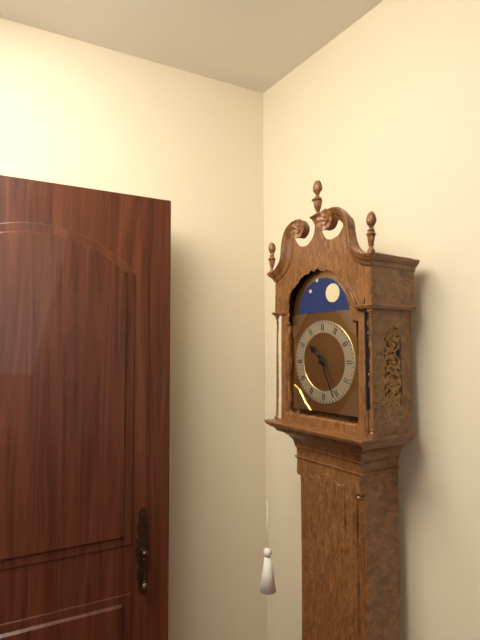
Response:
10.26
